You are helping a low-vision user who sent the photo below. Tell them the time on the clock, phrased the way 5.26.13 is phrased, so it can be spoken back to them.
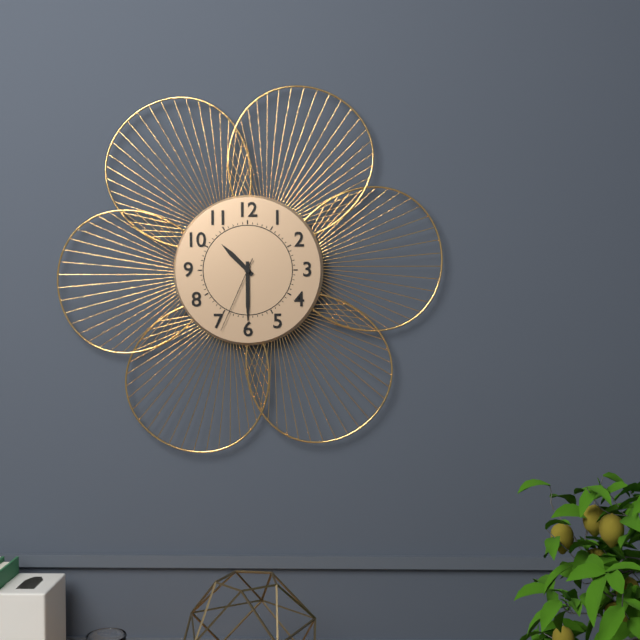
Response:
10.30.34
